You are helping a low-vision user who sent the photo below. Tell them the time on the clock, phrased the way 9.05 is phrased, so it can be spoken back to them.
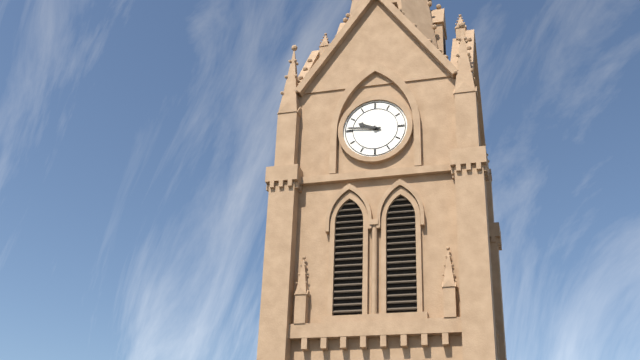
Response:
9.46
